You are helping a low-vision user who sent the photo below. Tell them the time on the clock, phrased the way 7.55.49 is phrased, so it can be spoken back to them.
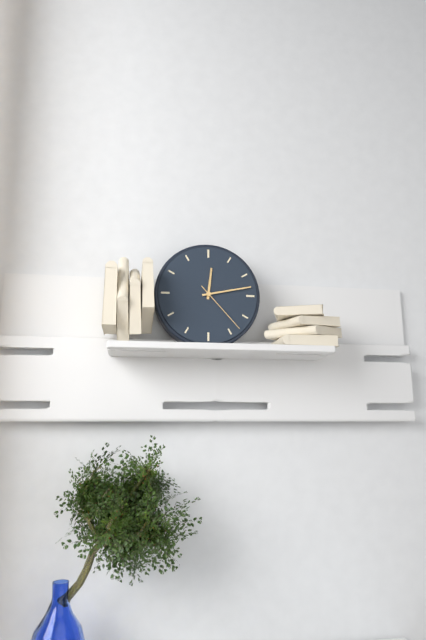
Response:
12.13.23
